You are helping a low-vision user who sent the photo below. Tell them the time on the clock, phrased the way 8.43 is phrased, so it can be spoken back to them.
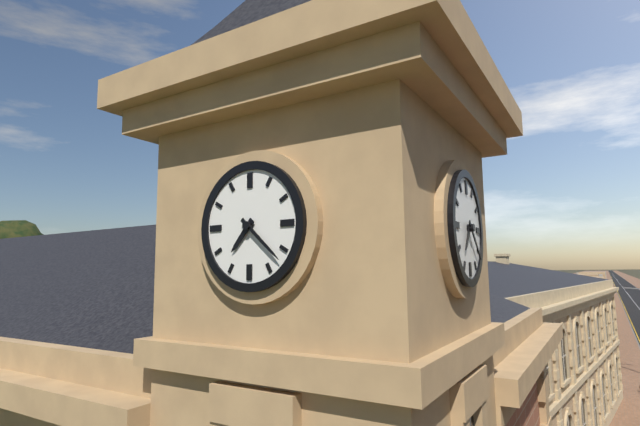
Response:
7.22
